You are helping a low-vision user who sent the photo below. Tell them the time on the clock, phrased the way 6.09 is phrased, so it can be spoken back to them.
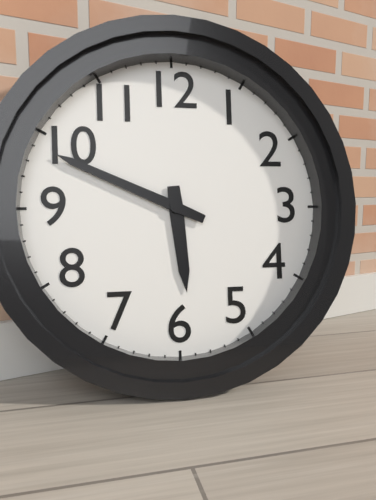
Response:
5.49
